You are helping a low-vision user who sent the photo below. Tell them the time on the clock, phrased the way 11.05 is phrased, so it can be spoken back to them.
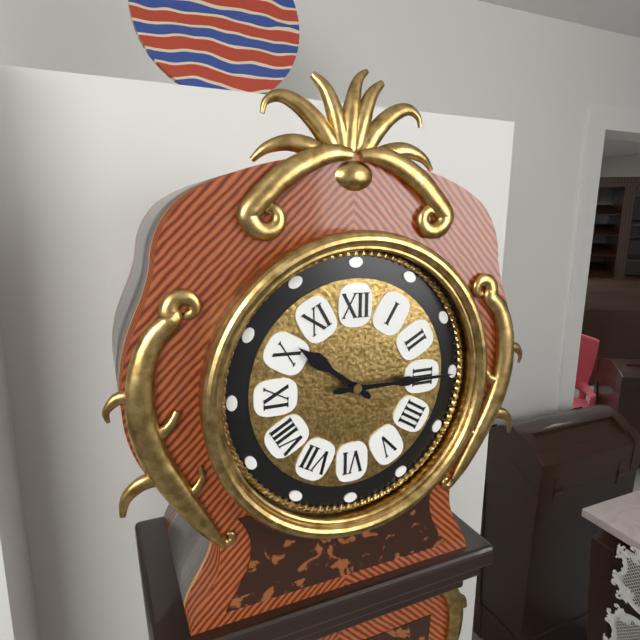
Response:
10.15
